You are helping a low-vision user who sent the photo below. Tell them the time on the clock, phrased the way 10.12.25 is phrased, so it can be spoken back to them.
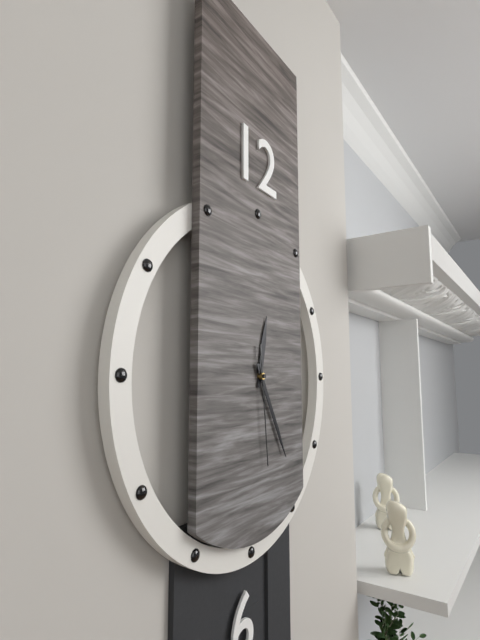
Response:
12.25.29
